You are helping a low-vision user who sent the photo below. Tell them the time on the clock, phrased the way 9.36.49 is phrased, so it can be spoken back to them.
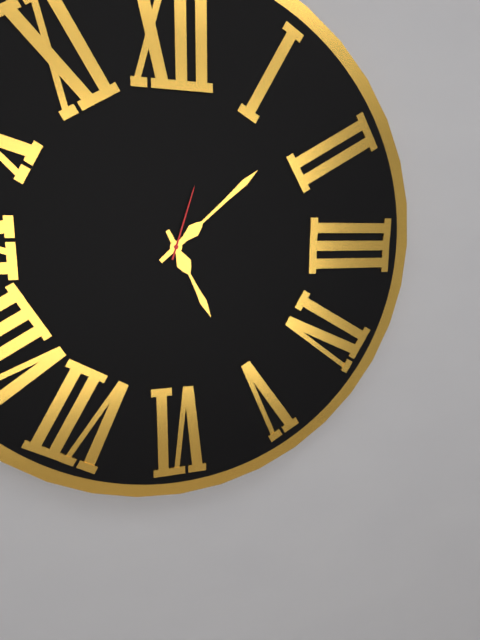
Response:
5.08.03
